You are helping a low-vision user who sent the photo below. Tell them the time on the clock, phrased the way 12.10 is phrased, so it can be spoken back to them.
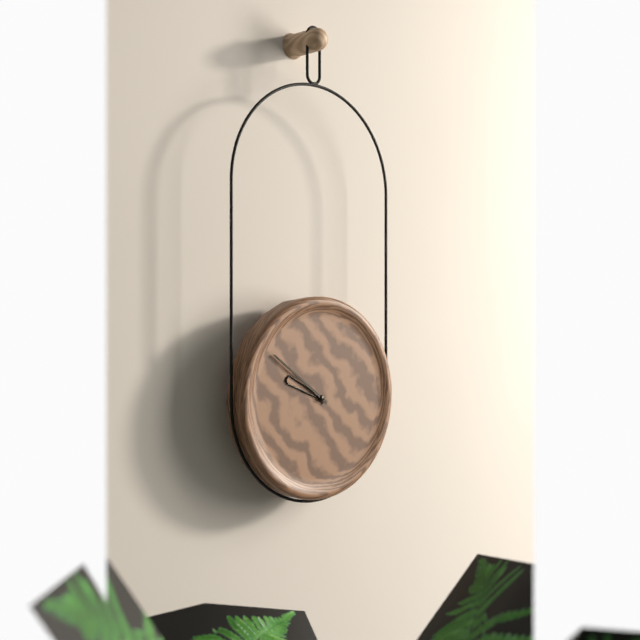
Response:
9.51
